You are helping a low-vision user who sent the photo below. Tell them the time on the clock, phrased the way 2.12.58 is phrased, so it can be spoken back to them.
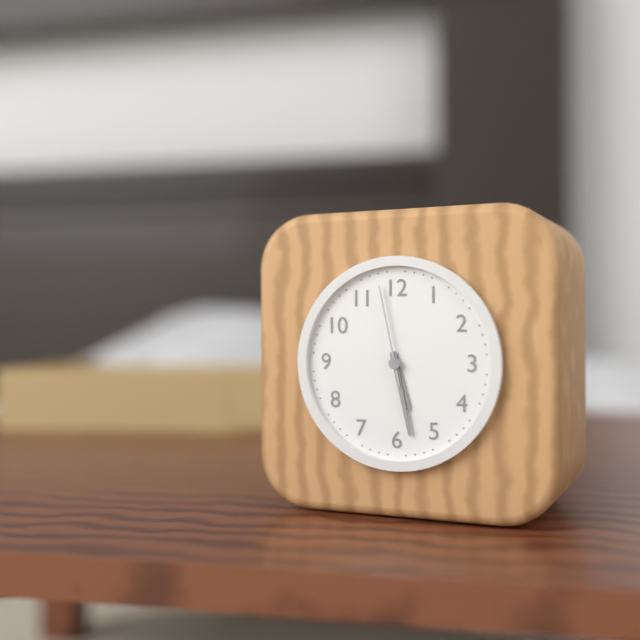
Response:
5.28.58
